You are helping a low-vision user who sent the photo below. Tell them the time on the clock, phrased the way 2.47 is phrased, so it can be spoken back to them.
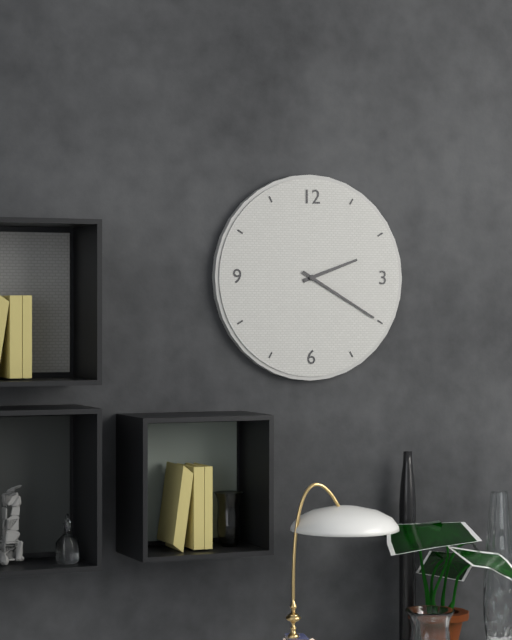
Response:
2.20
